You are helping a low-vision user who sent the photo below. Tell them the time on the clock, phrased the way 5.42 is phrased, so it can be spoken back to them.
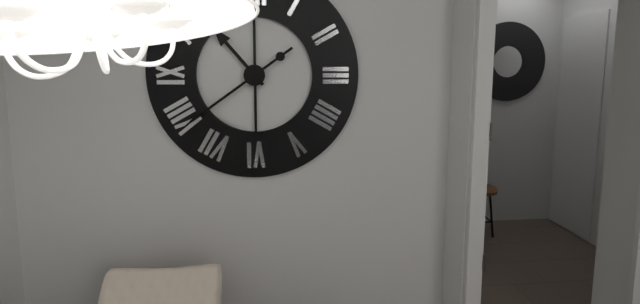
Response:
10.39
